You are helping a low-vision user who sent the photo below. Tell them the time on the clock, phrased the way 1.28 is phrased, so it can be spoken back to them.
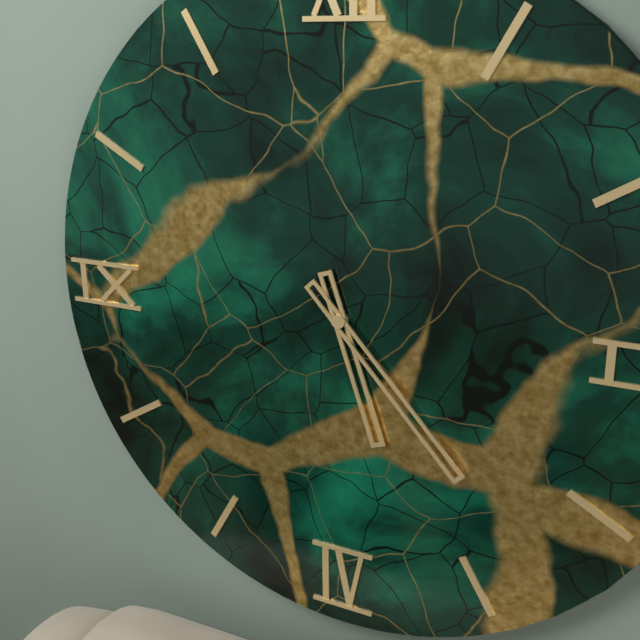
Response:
5.23
